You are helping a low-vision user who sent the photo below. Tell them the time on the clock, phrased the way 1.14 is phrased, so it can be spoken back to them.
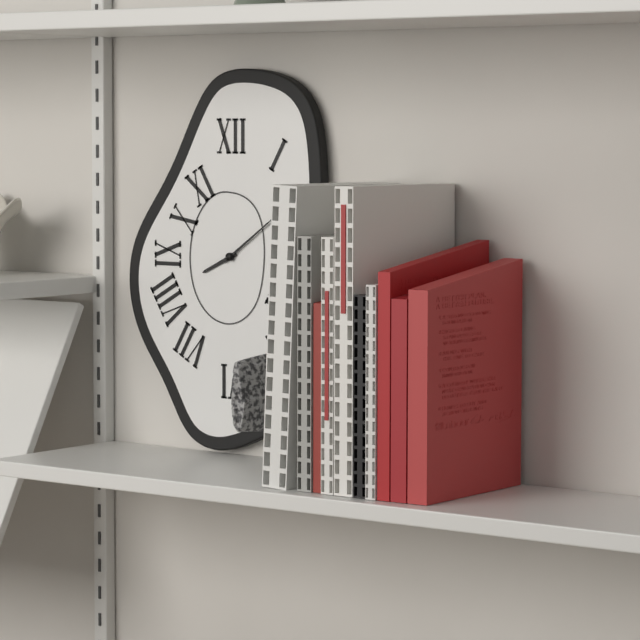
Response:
8.09
